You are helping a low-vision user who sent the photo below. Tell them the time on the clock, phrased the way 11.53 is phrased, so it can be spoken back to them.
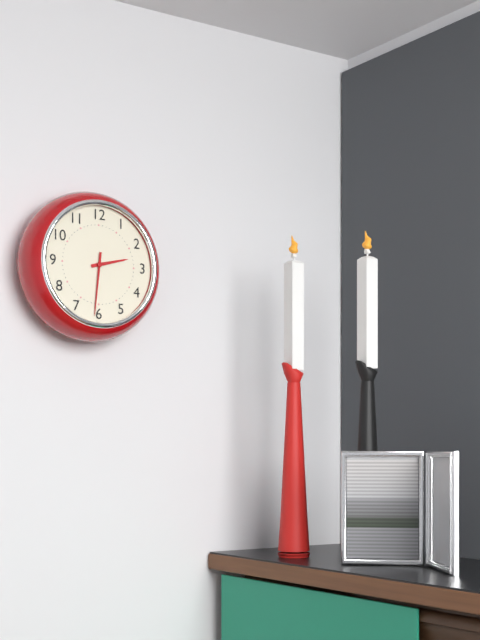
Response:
2.31
